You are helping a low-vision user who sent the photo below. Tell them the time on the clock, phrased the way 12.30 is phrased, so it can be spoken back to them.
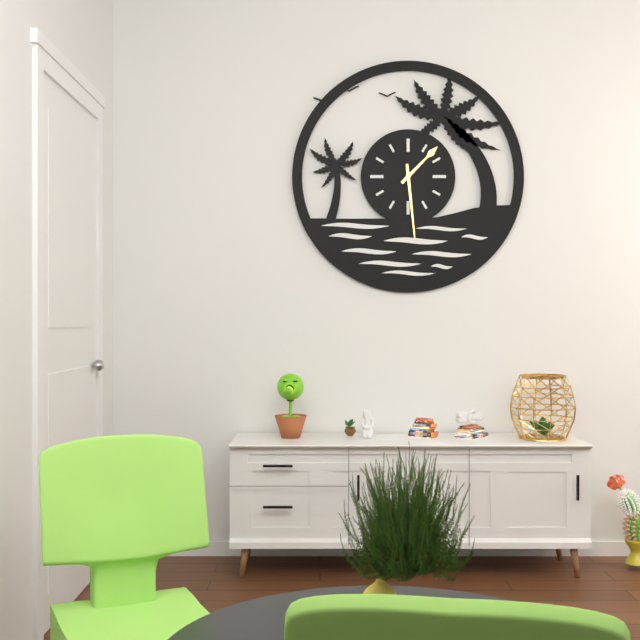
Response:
1.29
